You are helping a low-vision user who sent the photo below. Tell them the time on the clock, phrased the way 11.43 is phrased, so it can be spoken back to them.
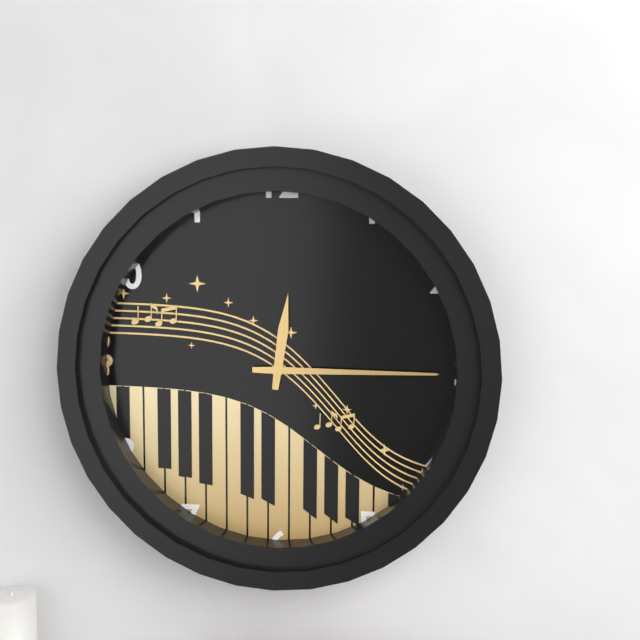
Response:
12.15
